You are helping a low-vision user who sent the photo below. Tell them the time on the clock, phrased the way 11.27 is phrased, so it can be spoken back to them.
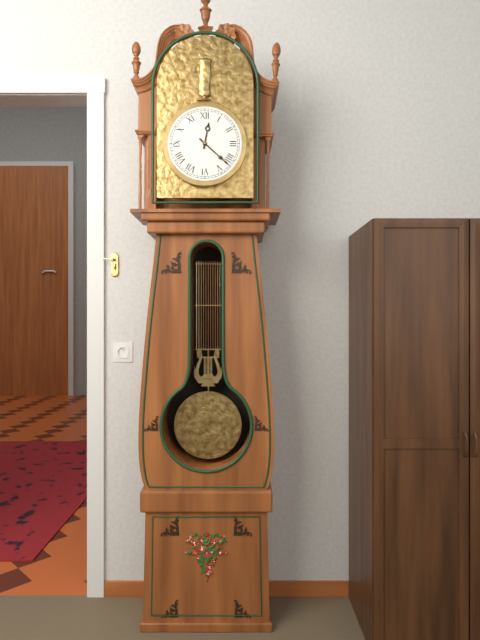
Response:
12.22
